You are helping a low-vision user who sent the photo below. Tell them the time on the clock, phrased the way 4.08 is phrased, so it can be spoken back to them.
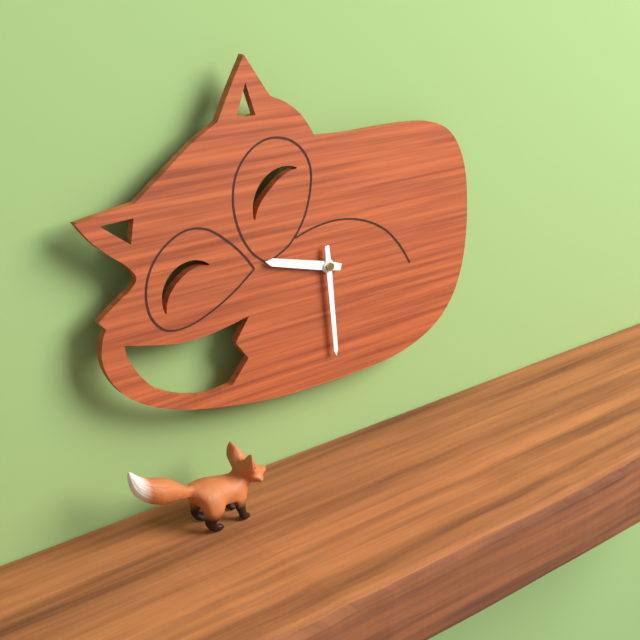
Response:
9.29
